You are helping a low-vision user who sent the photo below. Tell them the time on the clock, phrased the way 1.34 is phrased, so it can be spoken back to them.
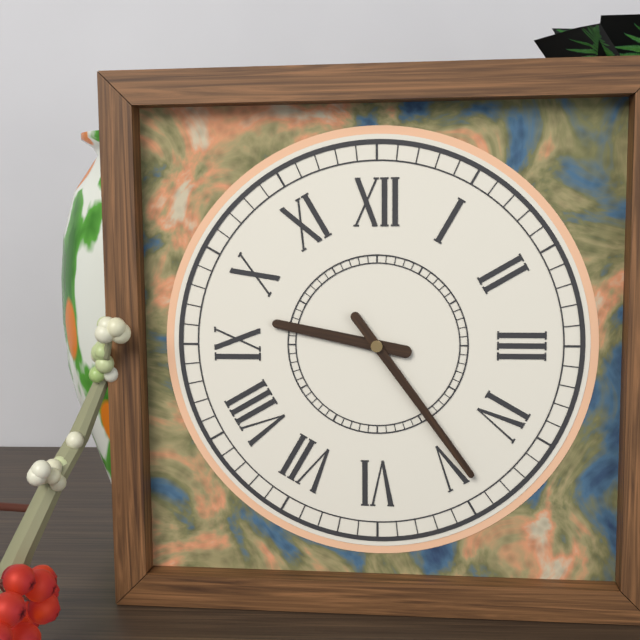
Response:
9.24
